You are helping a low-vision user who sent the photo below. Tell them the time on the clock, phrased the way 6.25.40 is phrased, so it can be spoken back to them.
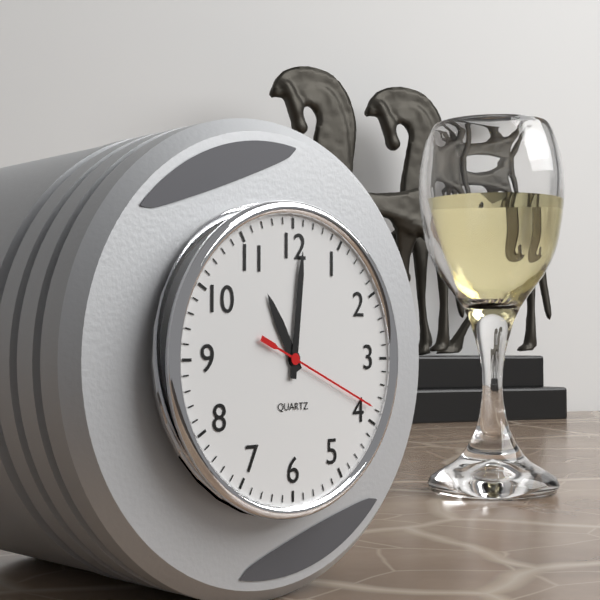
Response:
11.01.19
